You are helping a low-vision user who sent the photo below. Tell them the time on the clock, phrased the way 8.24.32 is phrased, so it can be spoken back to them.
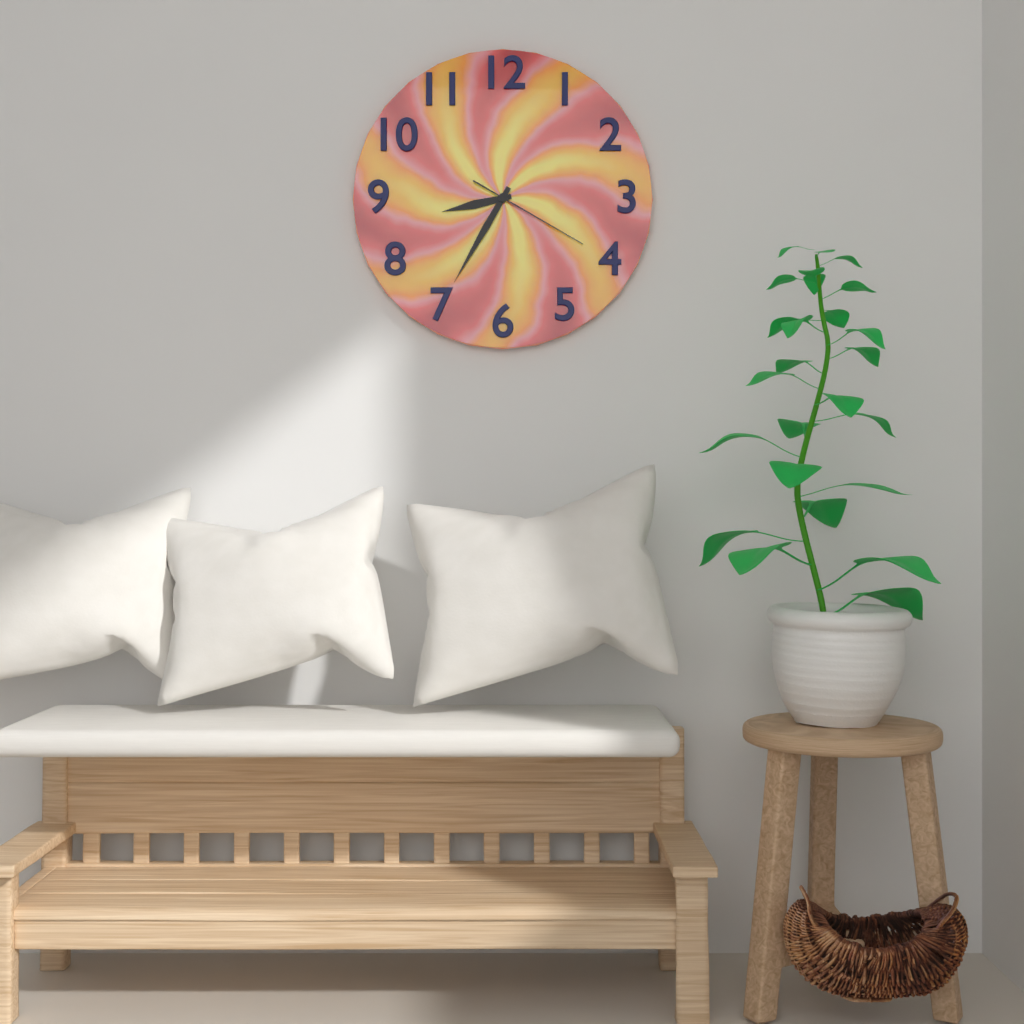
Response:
8.35.20
